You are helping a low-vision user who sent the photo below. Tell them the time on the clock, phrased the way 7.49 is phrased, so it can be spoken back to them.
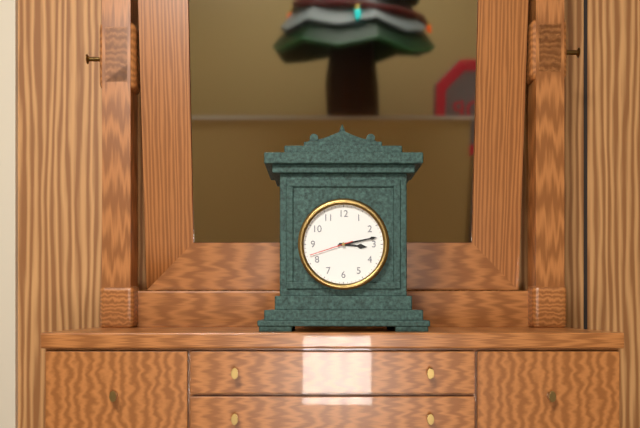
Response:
3.13
